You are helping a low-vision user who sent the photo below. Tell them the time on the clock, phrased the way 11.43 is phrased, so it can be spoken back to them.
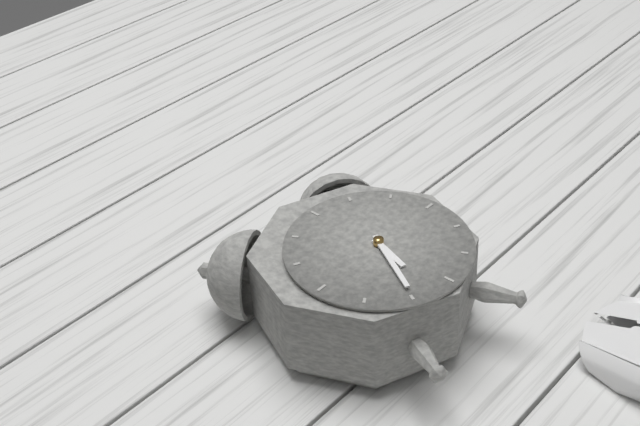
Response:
6.35
